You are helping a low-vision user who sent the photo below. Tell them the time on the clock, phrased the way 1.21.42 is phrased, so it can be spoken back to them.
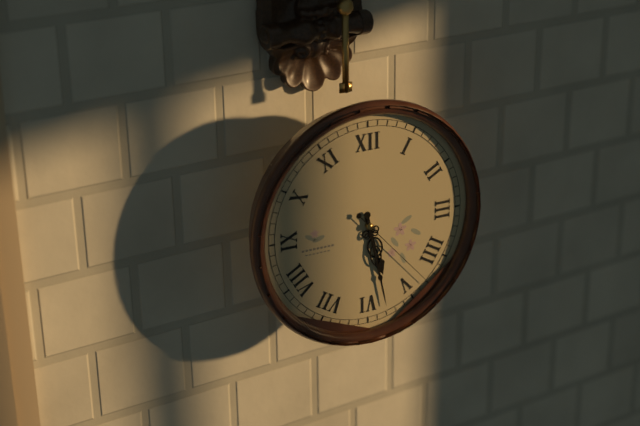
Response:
5.28.23
